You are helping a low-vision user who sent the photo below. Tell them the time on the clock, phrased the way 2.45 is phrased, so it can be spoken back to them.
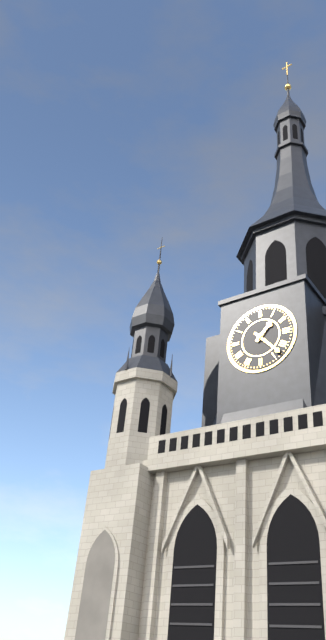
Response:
1.23
